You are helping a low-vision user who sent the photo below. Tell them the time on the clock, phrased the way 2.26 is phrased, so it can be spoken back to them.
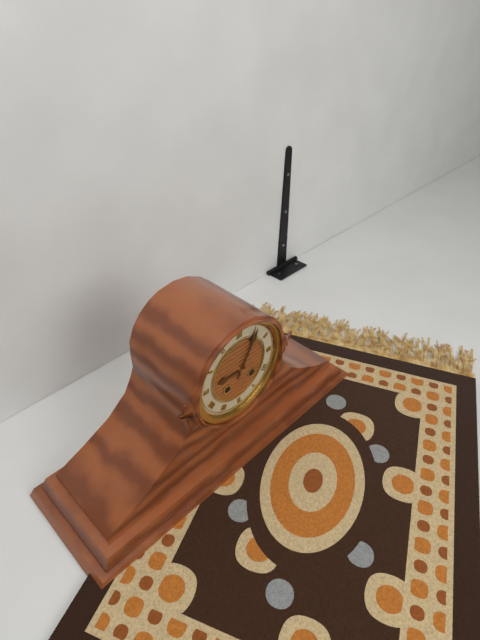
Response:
9.05
